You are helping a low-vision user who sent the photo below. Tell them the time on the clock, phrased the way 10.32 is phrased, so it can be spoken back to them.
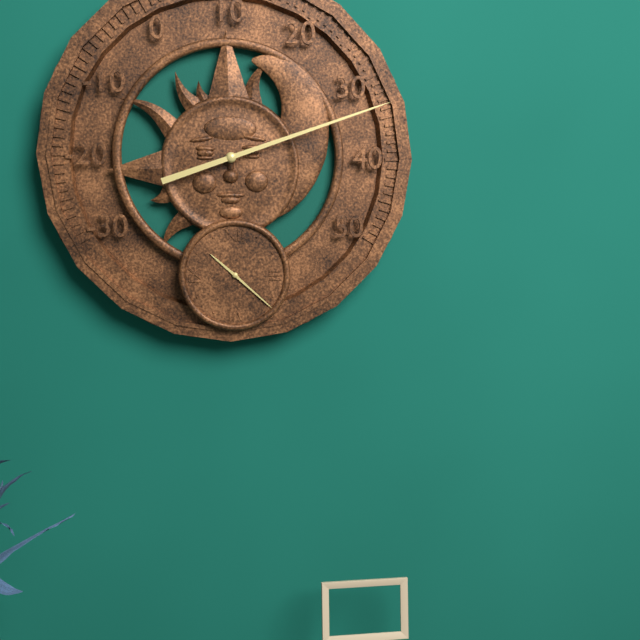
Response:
10.22
